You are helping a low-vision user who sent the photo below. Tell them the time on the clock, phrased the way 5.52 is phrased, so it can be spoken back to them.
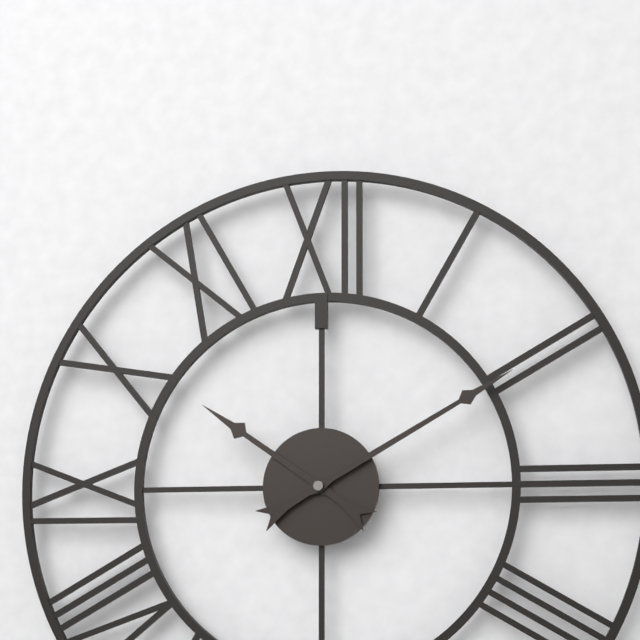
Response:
10.10
